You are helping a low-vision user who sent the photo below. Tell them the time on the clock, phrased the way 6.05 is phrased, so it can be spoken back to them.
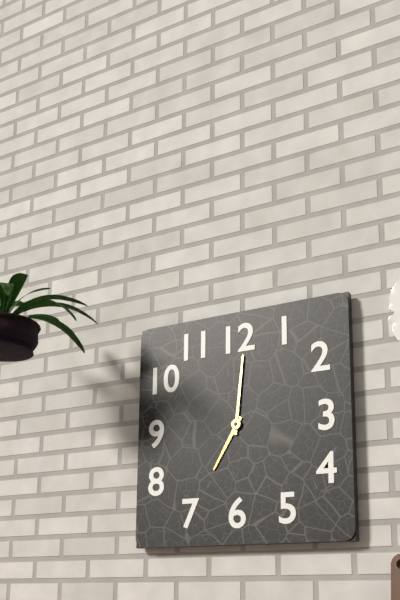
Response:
7.01
